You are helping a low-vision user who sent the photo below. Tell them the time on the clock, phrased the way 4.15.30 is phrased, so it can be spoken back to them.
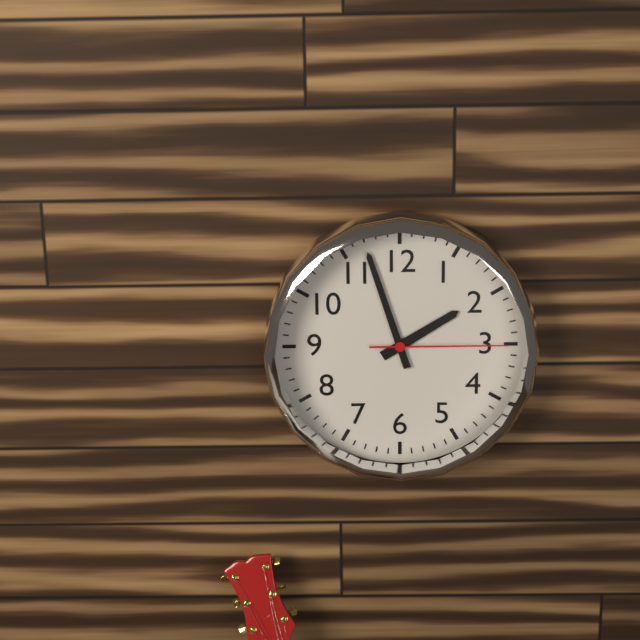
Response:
1.57.15
